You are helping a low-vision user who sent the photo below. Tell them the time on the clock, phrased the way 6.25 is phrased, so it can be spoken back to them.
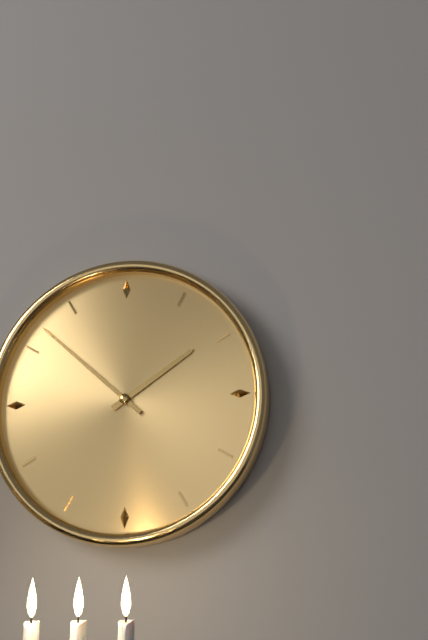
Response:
1.52
